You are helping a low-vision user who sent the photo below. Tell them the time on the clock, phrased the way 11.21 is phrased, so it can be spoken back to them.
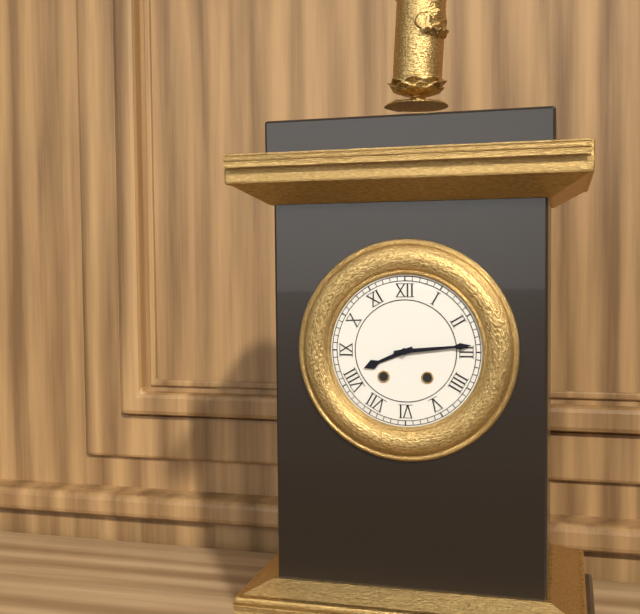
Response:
8.14
